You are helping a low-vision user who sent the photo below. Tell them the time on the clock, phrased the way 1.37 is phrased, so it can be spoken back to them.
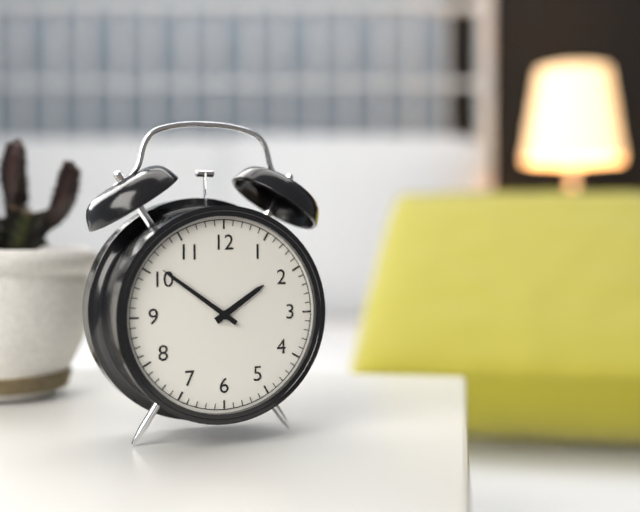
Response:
1.51
